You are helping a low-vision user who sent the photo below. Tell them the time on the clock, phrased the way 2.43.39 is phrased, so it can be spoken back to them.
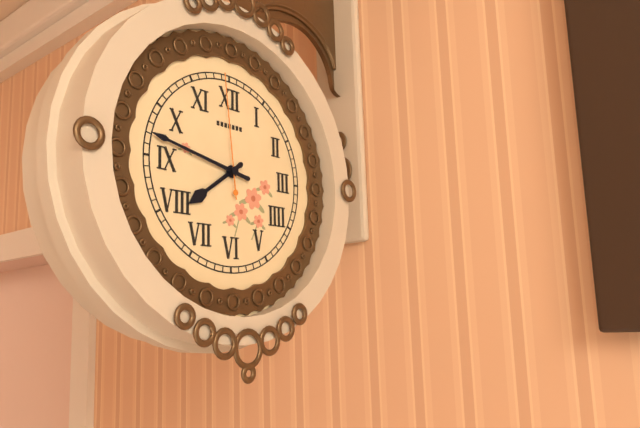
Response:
7.47.59
